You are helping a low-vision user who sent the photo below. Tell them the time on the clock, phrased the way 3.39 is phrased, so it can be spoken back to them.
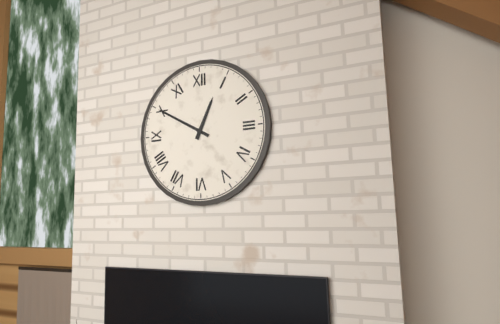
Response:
12.50
